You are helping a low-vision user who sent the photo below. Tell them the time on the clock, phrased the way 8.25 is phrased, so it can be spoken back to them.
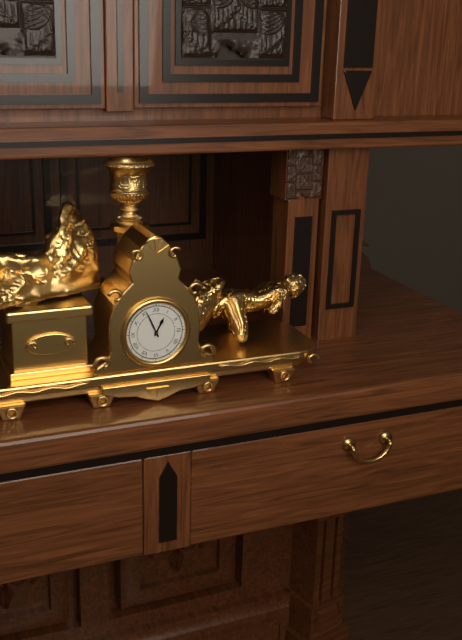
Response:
12.56
